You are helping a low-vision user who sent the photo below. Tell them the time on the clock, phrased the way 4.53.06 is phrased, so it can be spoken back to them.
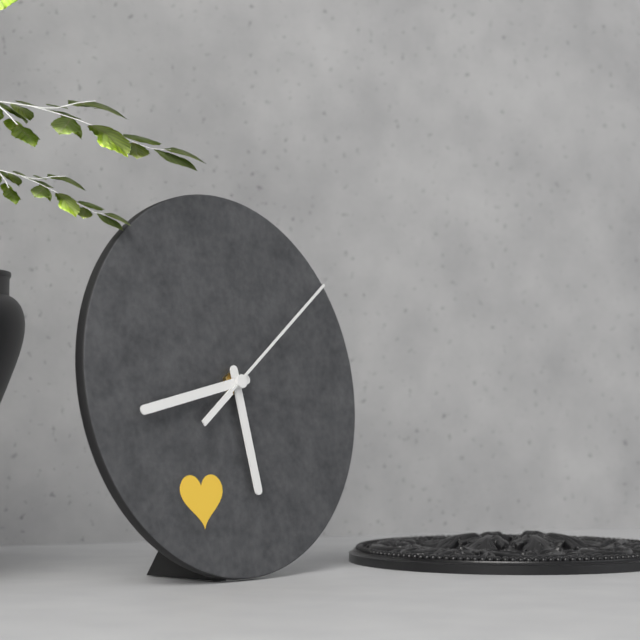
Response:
5.43.09
